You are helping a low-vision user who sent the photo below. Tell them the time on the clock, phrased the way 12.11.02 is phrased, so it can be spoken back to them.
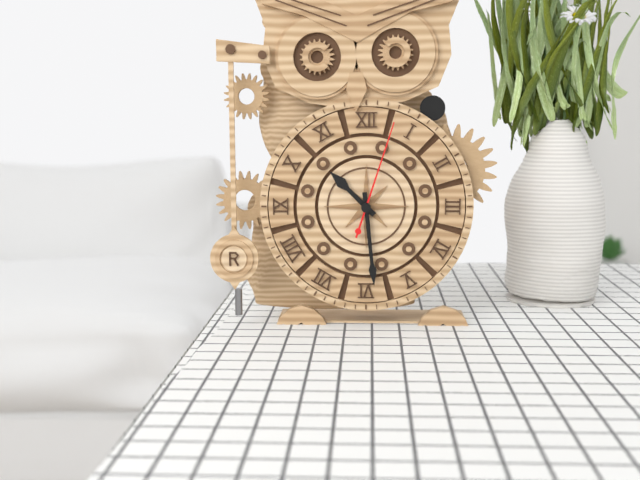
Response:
10.29.03
